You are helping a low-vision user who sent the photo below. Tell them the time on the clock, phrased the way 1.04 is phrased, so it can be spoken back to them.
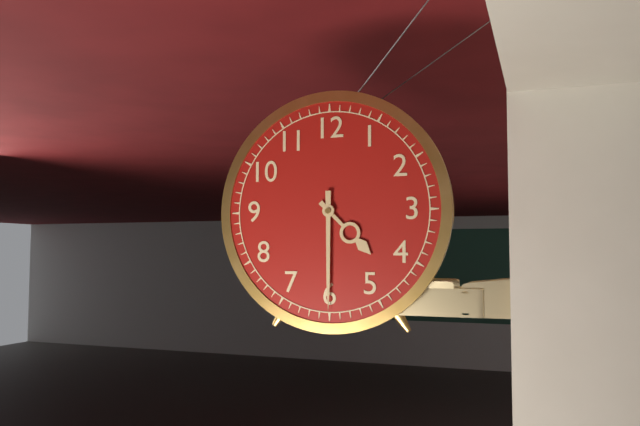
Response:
4.30
